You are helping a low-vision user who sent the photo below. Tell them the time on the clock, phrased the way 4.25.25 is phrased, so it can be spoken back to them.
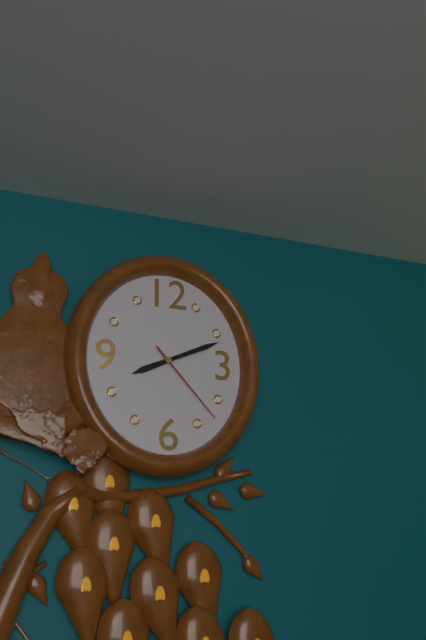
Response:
8.11.23
